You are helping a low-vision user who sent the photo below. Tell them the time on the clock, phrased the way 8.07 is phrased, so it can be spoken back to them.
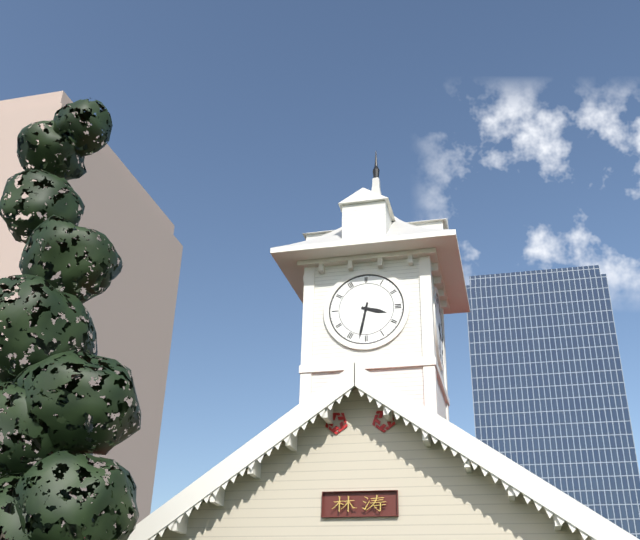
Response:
3.32
